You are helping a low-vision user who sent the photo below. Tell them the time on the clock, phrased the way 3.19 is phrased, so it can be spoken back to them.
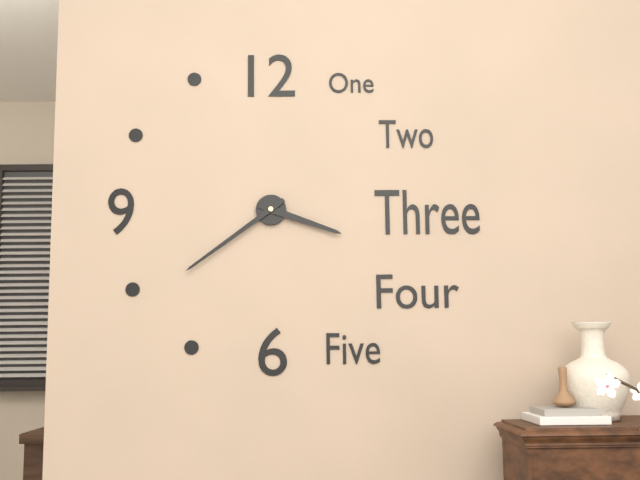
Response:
3.39
